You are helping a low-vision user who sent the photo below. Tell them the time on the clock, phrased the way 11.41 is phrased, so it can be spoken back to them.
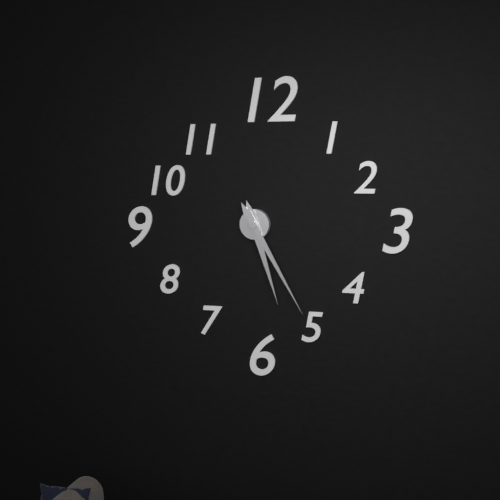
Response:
5.25
